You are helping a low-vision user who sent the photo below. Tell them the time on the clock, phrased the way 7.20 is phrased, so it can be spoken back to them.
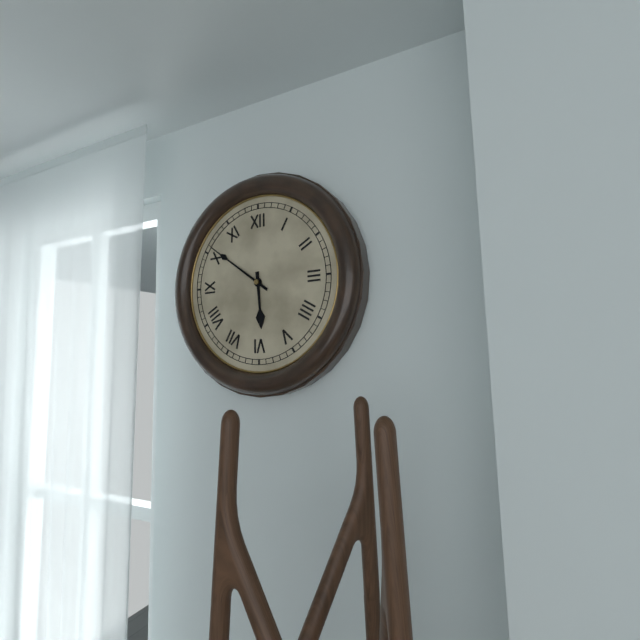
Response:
5.51
